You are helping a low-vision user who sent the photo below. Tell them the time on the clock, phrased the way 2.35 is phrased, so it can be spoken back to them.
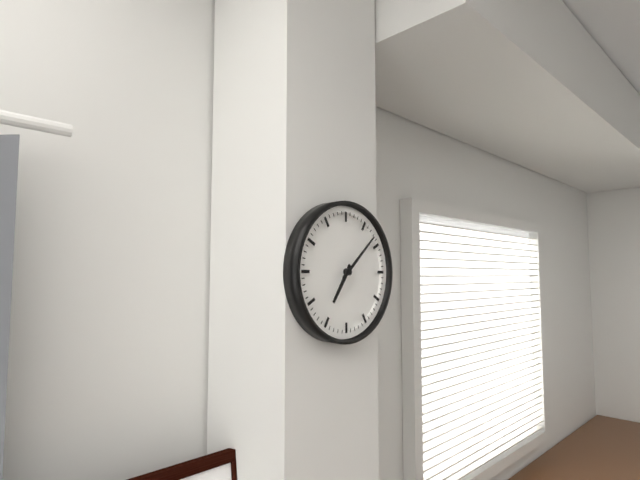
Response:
7.08
